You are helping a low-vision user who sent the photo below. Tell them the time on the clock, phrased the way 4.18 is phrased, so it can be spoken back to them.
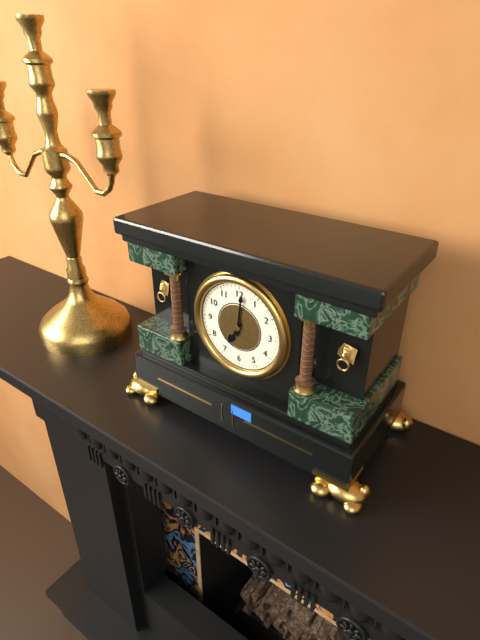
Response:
7.01
